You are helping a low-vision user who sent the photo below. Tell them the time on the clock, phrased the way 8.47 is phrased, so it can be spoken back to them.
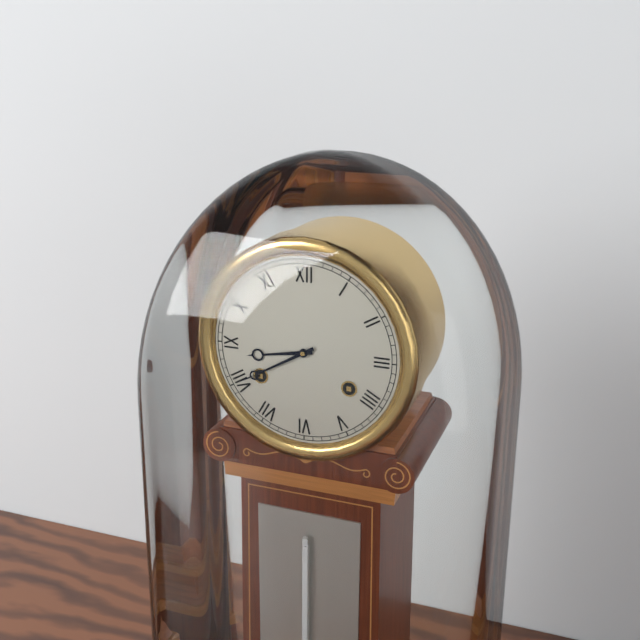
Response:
8.40
